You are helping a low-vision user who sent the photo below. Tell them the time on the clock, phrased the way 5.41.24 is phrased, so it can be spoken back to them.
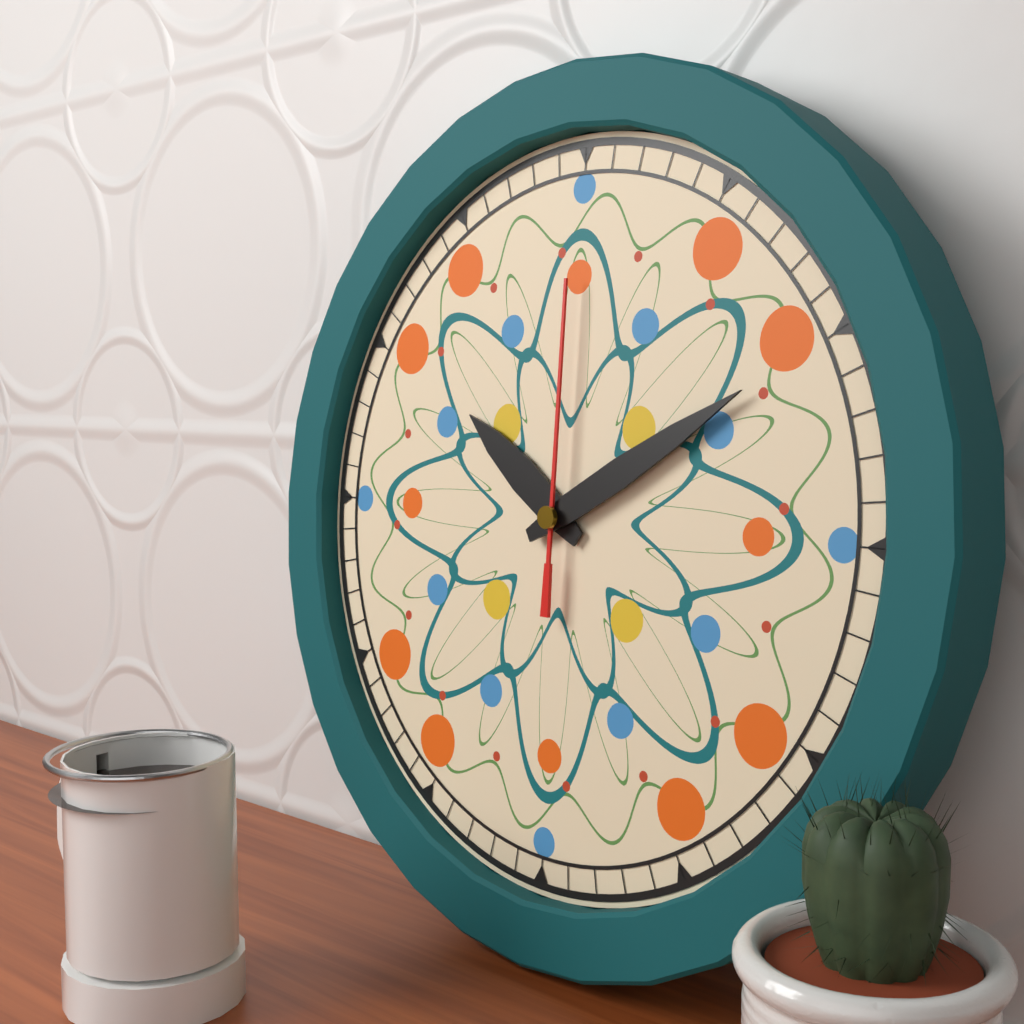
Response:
10.10.00
